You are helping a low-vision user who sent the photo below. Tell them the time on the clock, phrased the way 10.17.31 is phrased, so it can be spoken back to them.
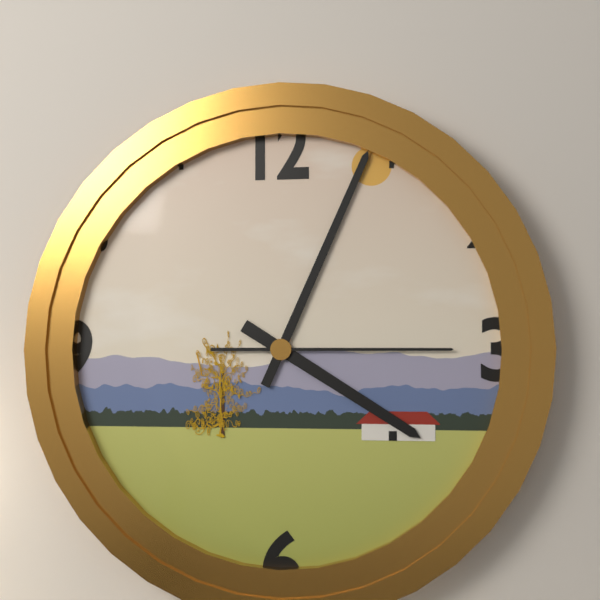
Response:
4.04.15
